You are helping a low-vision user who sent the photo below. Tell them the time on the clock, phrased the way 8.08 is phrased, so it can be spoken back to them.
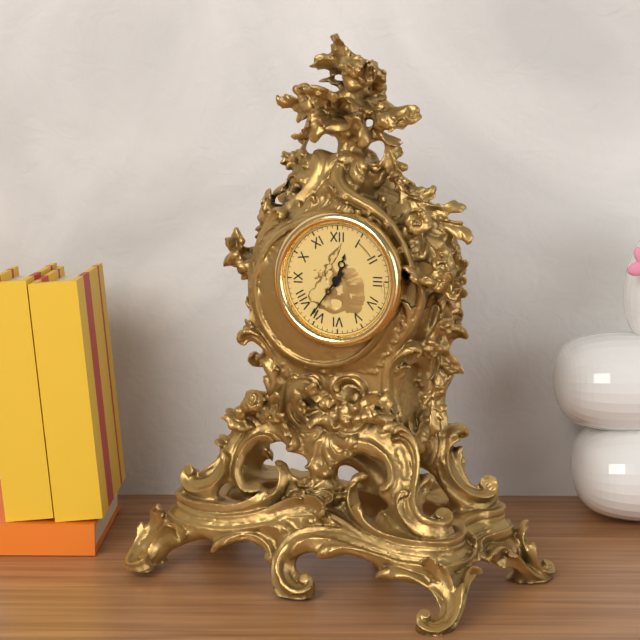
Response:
12.36
